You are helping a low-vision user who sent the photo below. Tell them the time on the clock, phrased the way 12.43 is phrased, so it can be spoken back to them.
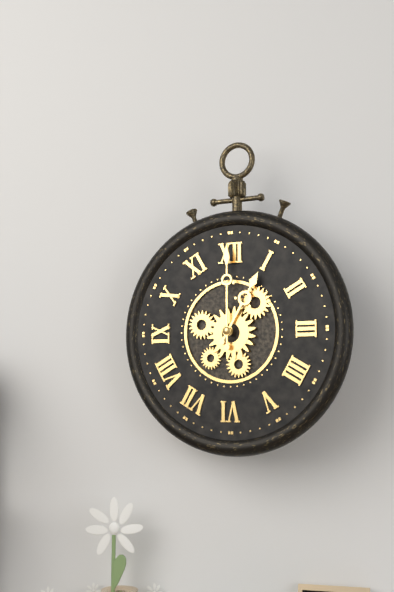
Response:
1.00
